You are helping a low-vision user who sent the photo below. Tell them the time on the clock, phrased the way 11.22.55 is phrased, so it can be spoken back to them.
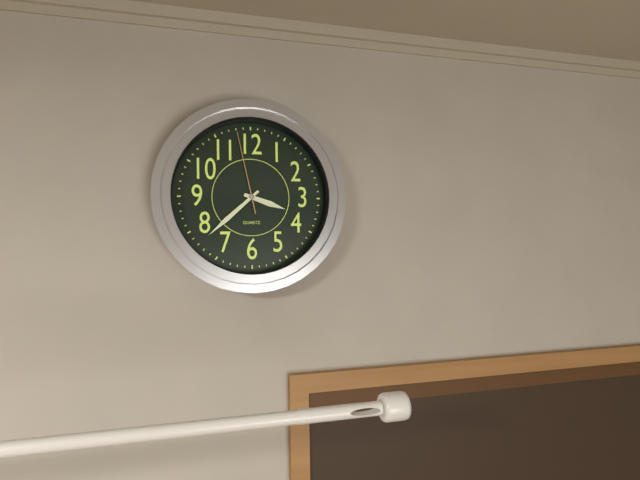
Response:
3.38.58
